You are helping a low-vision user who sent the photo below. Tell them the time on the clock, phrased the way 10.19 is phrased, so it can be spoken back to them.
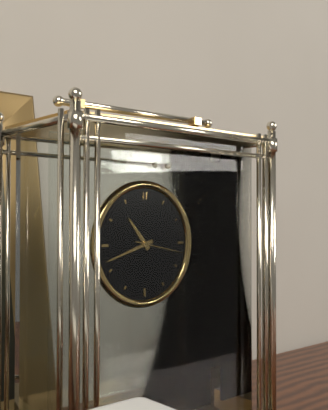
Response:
10.42
